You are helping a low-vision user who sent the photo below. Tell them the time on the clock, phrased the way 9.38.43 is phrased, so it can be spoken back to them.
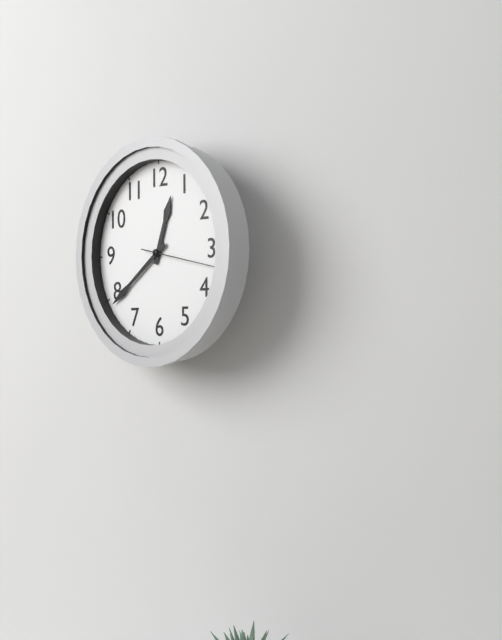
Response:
12.39.17
